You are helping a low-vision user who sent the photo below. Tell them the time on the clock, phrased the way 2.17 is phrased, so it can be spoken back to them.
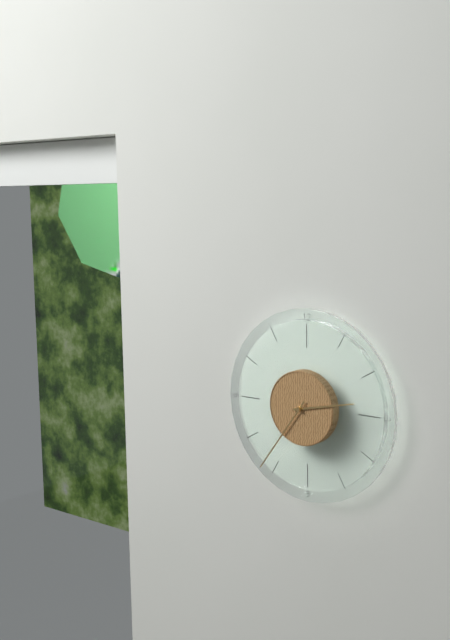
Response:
2.36
